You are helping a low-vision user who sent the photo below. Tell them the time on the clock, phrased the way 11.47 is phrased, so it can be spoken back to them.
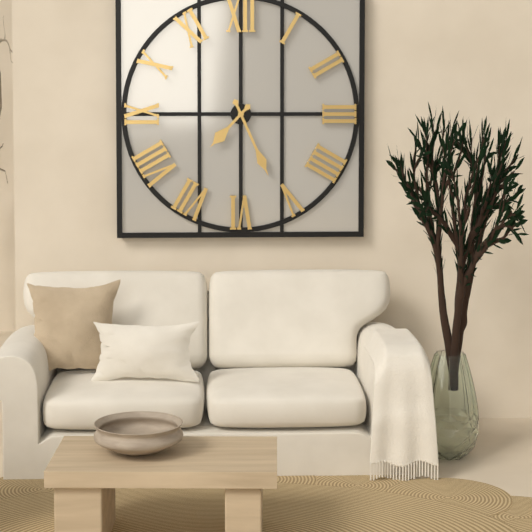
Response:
7.26
